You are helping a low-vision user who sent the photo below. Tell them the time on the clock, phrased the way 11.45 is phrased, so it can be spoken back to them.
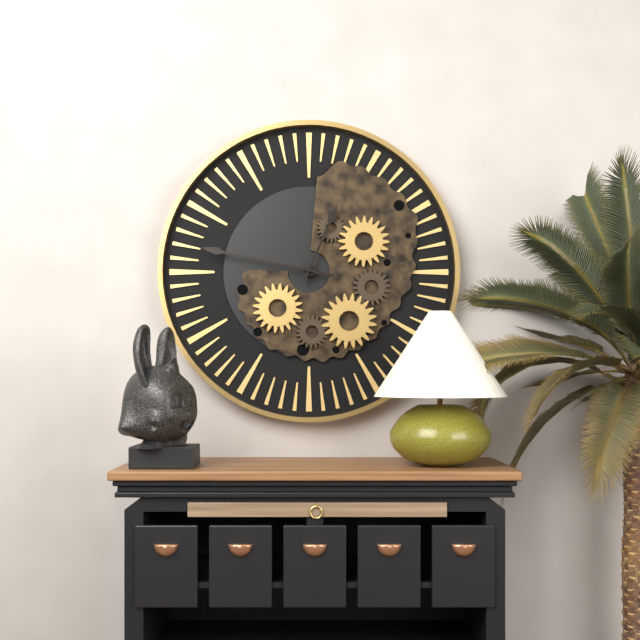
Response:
12.47
